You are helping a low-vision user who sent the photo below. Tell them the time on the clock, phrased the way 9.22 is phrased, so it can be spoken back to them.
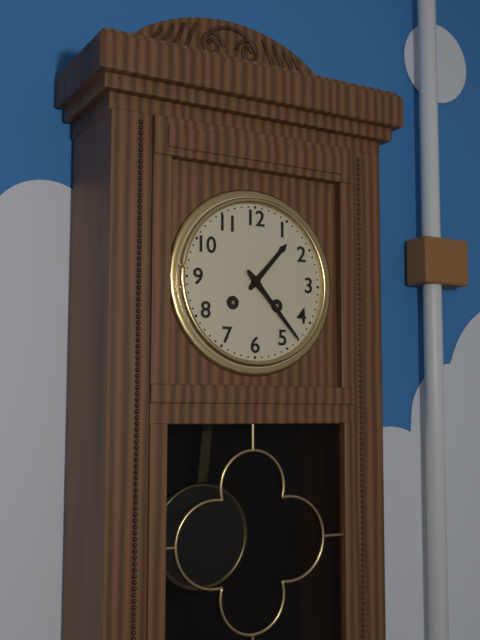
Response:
1.23
